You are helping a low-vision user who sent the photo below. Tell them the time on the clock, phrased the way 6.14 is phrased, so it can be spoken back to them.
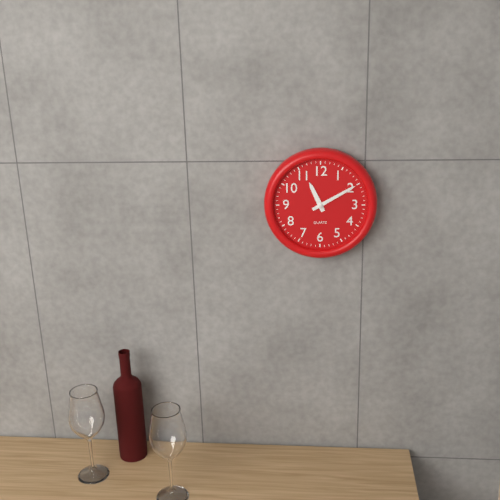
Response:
11.10
